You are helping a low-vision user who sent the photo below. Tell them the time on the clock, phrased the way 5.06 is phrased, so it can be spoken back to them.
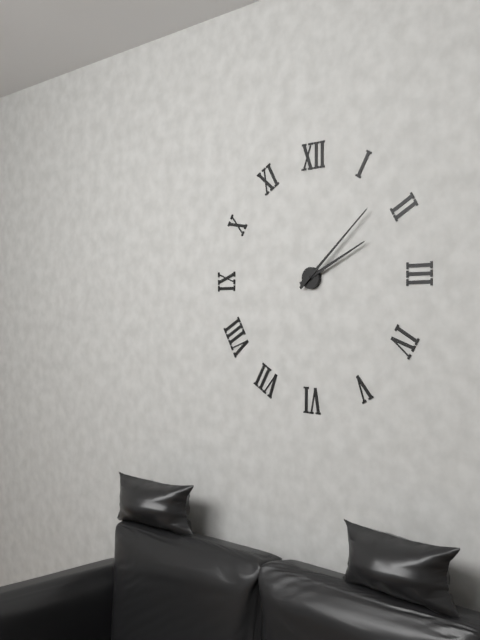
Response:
2.08
